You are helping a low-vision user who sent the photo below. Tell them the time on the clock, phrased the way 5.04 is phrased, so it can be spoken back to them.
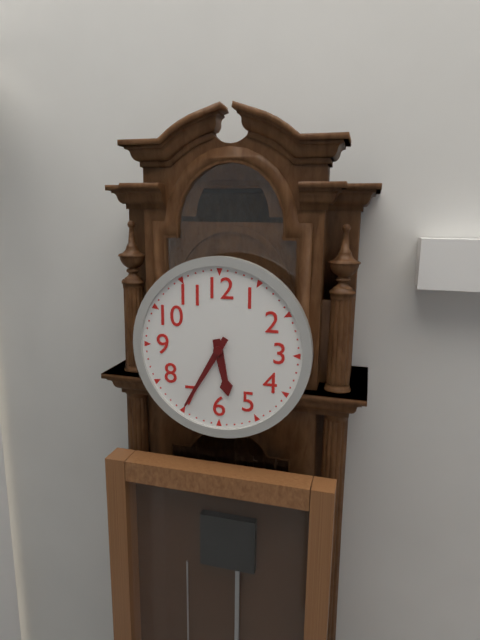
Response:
5.35
